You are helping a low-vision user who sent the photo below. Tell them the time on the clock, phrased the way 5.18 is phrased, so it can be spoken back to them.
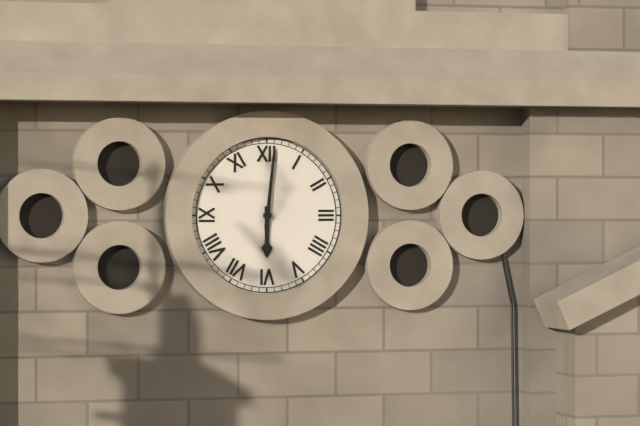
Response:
6.01
